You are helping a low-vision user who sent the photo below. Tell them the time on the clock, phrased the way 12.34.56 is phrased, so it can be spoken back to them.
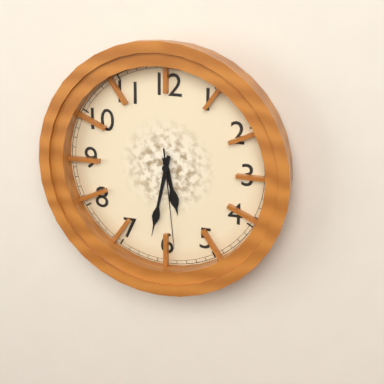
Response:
5.32.29
